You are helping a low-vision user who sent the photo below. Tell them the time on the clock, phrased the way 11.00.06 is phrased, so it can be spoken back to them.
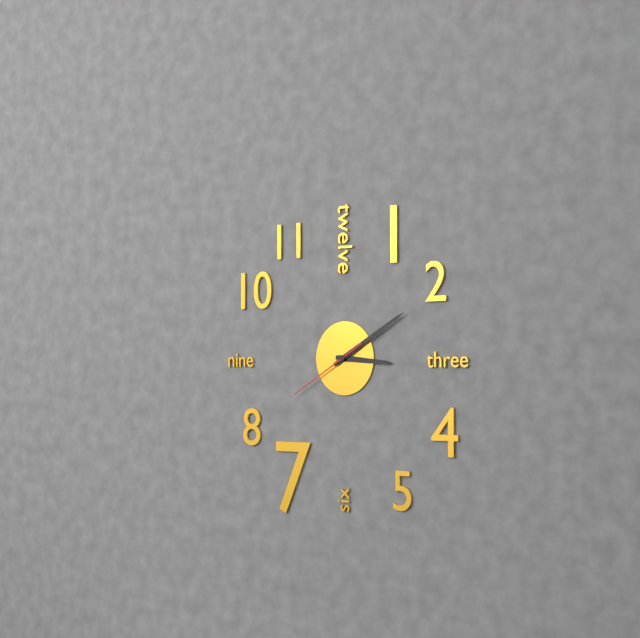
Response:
3.10.40
